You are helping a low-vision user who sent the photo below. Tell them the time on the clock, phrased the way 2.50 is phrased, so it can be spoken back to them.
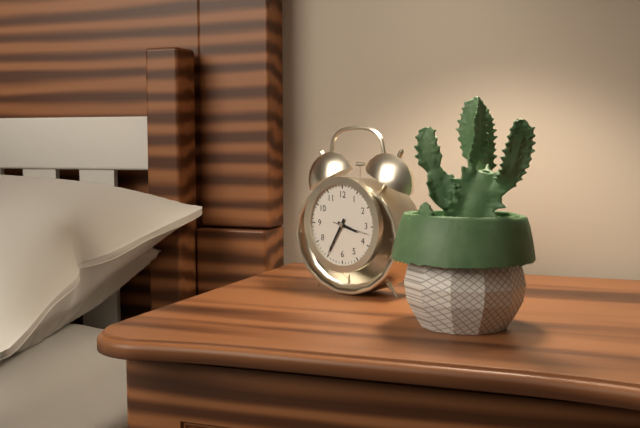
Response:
3.35
